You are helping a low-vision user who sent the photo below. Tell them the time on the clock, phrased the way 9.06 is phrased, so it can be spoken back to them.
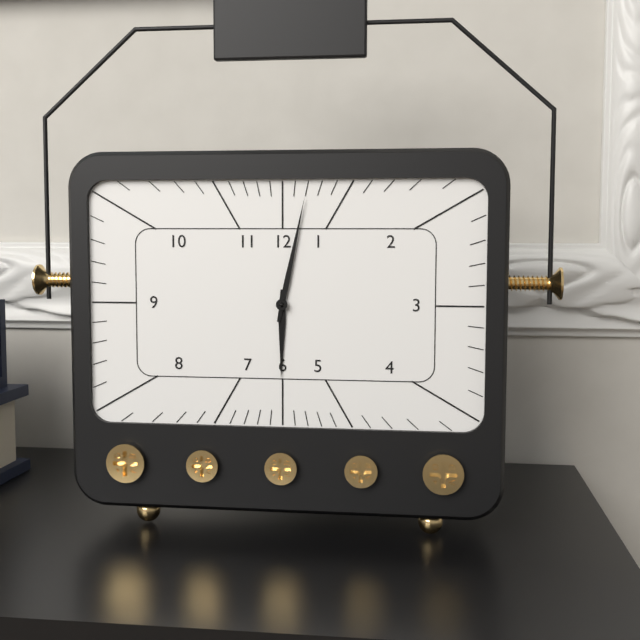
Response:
6.02
